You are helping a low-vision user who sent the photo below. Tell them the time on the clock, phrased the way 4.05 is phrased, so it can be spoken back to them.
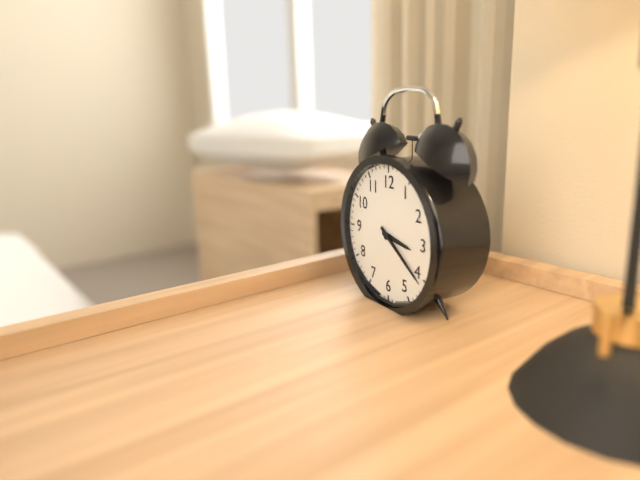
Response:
3.21
